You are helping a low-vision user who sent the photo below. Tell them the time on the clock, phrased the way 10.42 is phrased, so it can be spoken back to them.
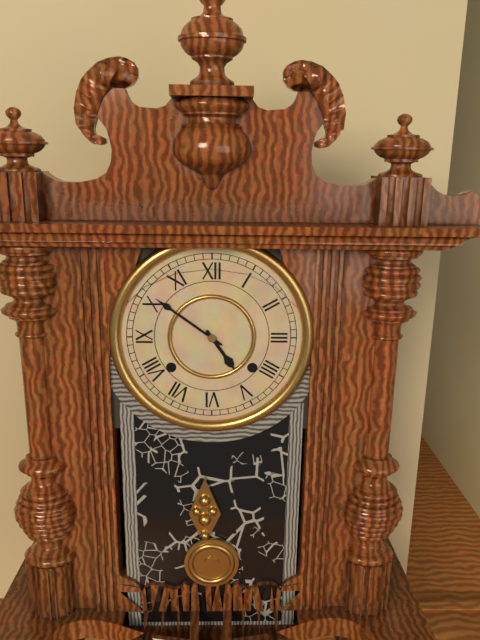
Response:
4.51
